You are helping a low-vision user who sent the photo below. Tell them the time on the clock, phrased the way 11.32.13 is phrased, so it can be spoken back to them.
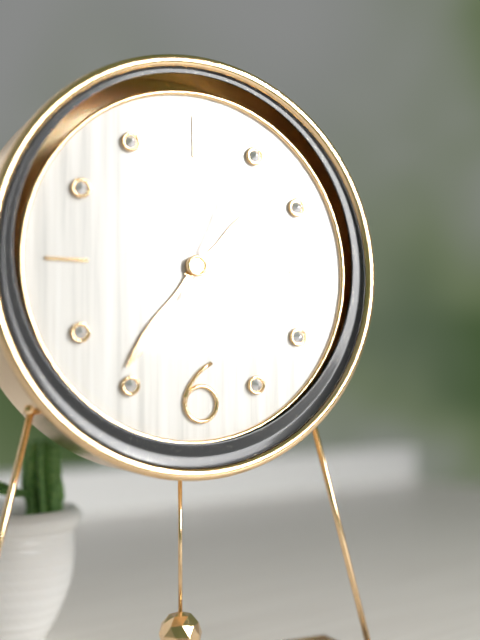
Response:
1.36.04
